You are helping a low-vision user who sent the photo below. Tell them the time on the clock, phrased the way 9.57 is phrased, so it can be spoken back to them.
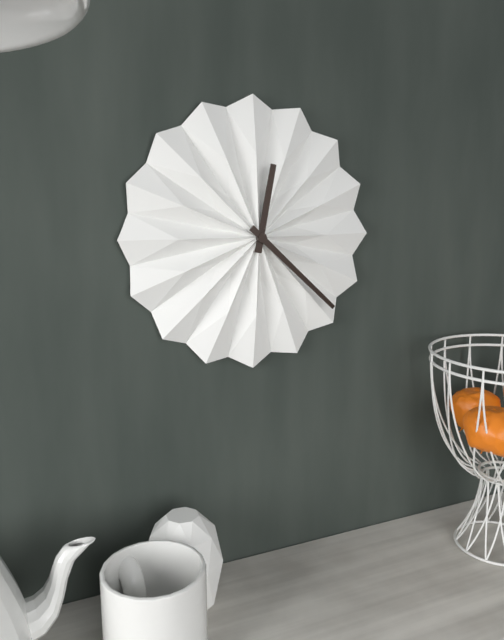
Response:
12.22
